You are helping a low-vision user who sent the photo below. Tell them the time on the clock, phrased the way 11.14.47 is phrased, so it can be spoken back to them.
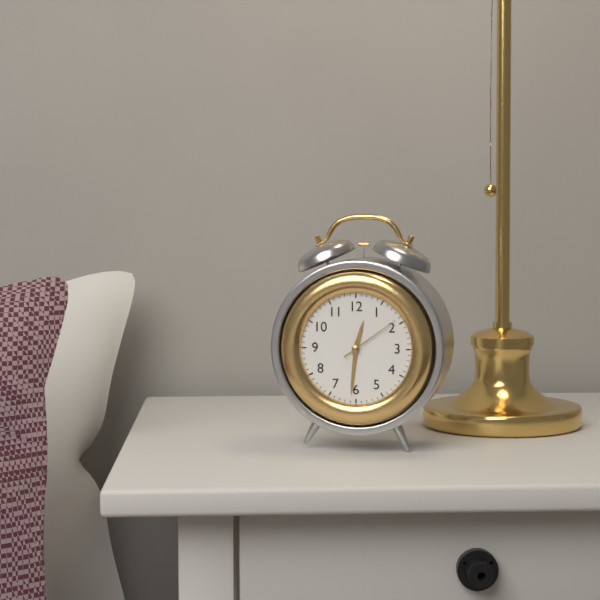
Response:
12.31.09
